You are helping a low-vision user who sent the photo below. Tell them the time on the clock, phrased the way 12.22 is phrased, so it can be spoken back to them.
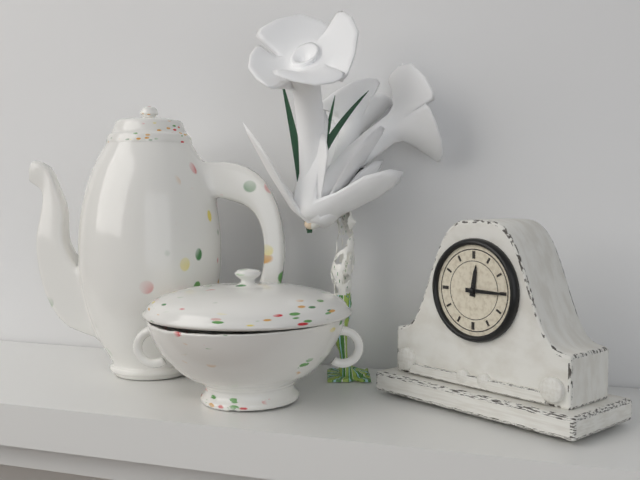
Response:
12.15
